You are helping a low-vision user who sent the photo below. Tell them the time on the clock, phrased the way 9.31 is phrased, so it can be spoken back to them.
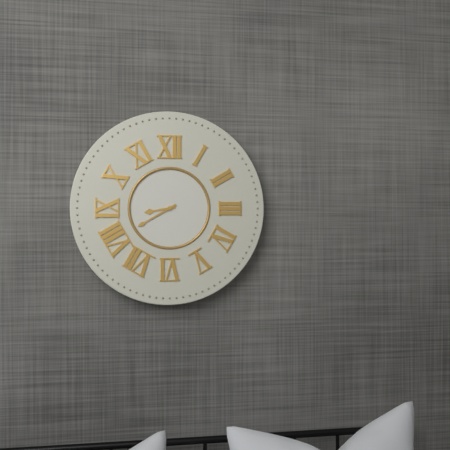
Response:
8.40
